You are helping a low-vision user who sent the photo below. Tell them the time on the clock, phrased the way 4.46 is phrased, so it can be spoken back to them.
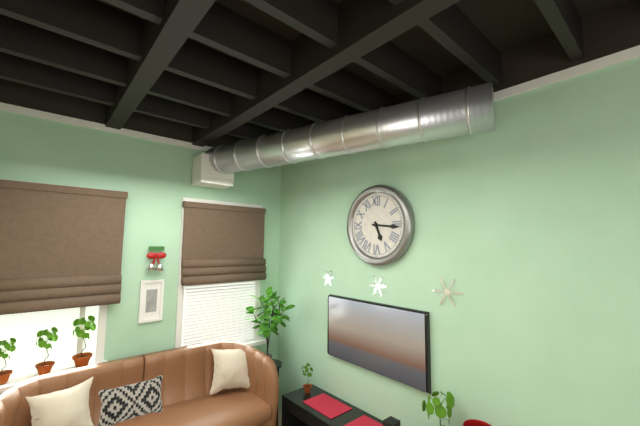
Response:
5.16
